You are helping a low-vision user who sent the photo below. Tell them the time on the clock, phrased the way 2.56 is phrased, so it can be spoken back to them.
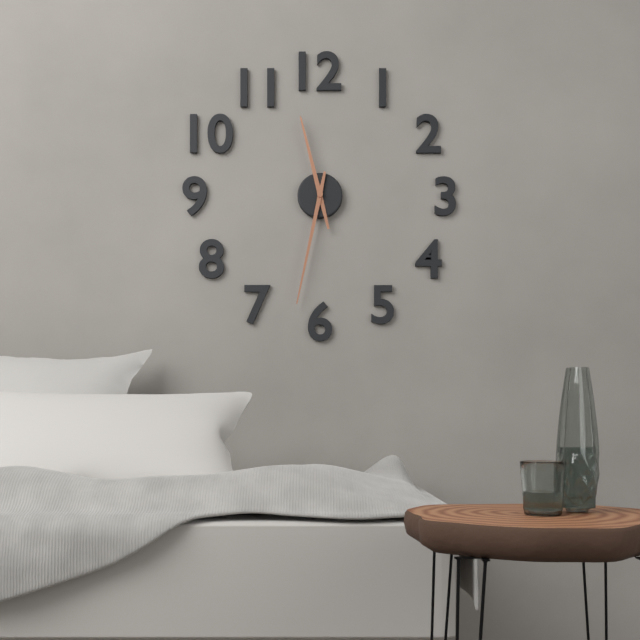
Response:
11.32
